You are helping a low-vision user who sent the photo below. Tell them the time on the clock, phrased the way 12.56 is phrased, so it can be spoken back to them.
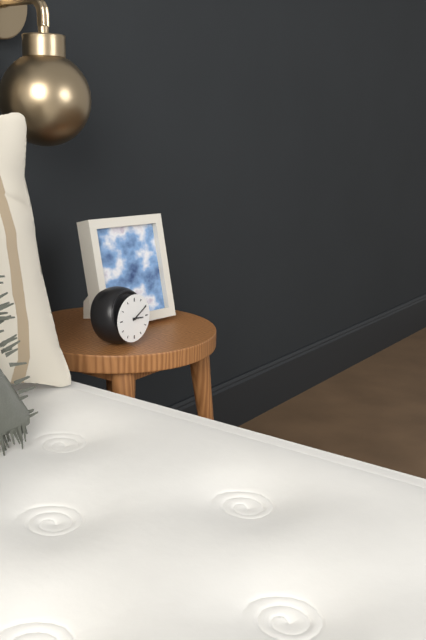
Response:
3.10
